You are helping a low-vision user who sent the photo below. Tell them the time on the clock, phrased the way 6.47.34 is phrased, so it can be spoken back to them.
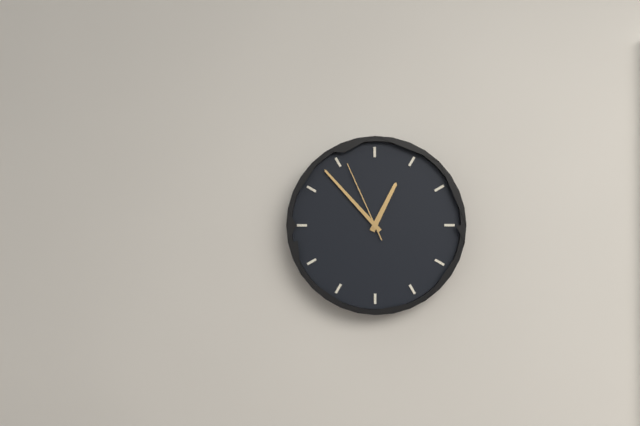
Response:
12.53.56
